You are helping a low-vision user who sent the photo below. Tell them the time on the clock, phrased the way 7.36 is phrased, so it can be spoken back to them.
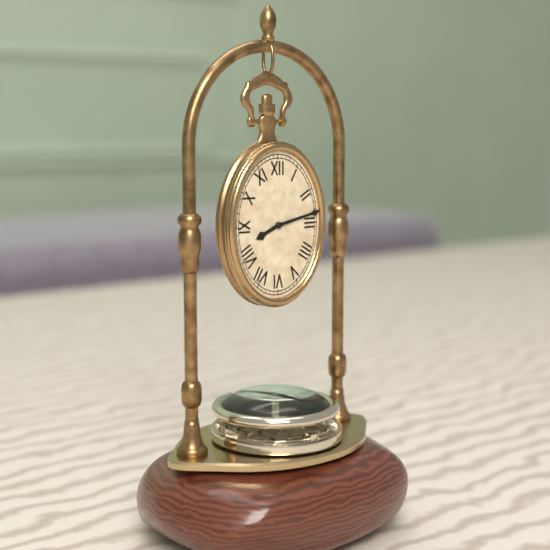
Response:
8.13
